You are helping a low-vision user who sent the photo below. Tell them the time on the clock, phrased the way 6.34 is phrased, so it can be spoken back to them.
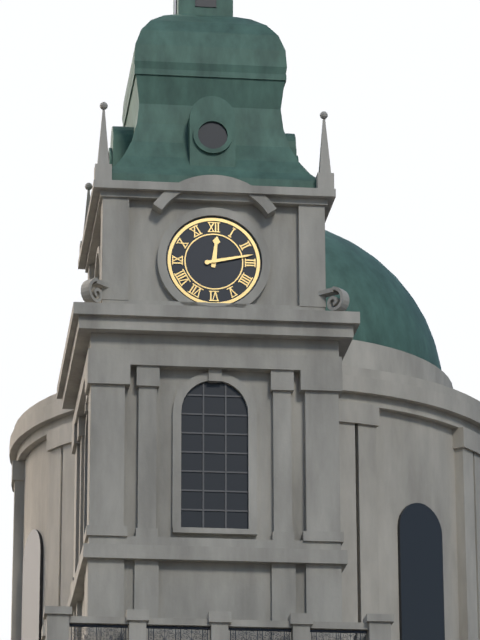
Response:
12.13
